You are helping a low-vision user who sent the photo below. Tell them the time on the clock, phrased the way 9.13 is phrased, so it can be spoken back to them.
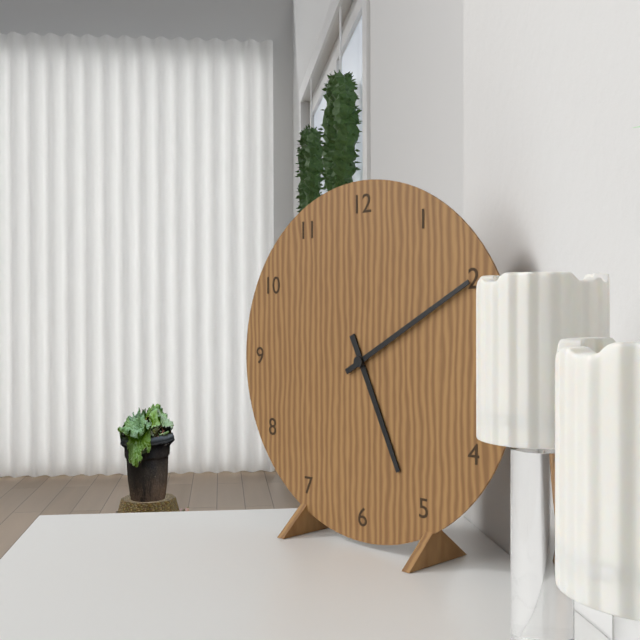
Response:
5.10
